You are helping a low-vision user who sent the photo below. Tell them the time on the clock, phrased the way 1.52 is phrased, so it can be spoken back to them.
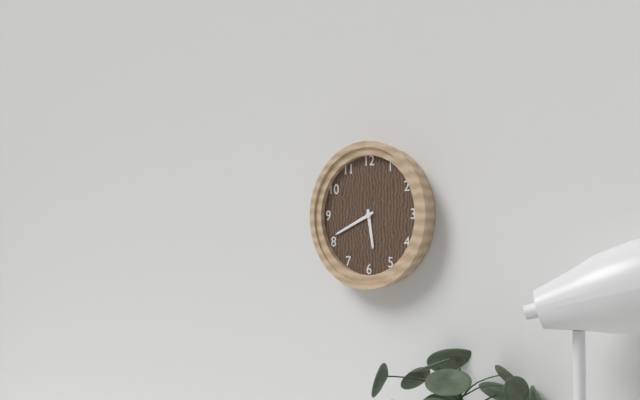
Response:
5.41
